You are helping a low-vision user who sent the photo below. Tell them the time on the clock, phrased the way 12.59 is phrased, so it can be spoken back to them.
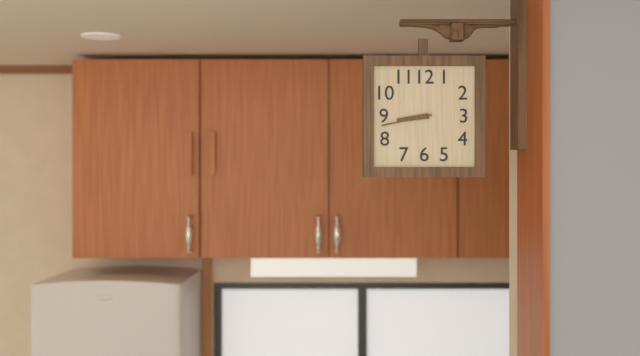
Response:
8.43
